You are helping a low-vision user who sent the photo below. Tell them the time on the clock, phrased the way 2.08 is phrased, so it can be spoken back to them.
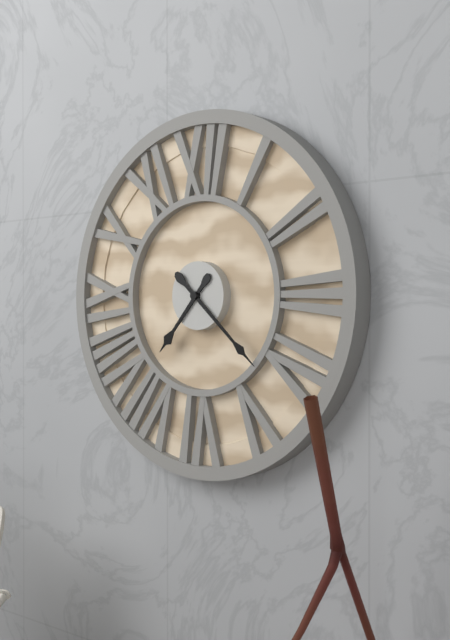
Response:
7.22
